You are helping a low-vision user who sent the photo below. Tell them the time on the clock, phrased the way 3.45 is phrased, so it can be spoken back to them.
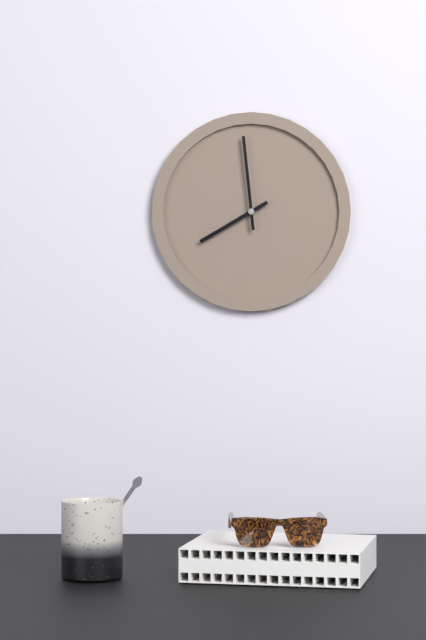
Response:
7.59
